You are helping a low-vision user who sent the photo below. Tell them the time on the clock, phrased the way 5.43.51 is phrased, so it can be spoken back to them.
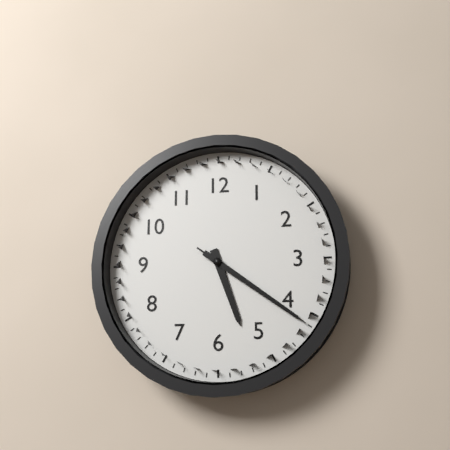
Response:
5.21.21
